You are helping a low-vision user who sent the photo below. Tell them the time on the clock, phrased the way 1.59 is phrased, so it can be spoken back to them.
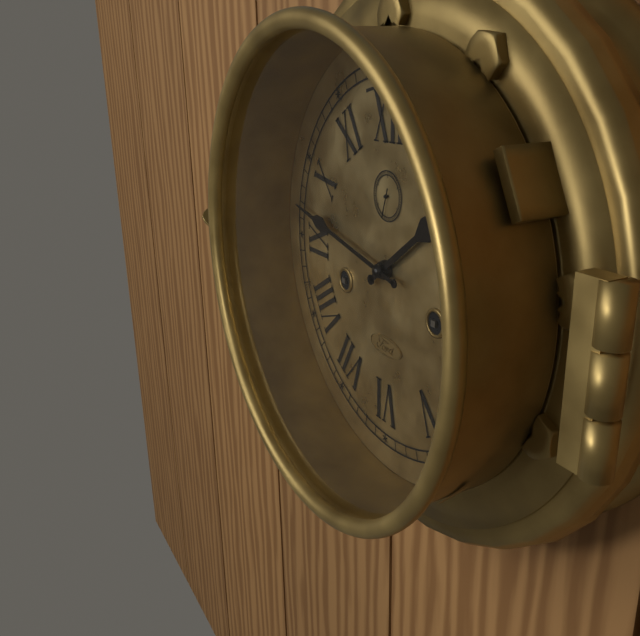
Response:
1.47
